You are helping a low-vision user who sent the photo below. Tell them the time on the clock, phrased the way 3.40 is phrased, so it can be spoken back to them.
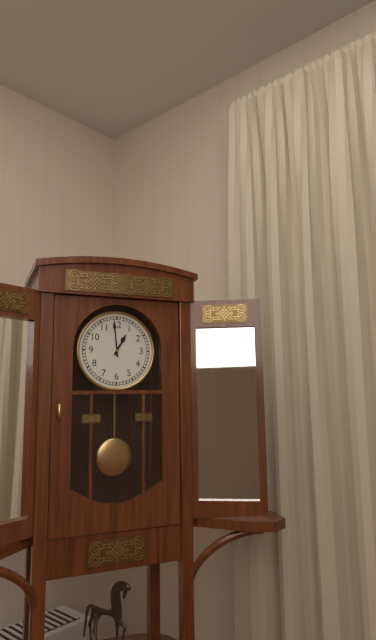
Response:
12.59
